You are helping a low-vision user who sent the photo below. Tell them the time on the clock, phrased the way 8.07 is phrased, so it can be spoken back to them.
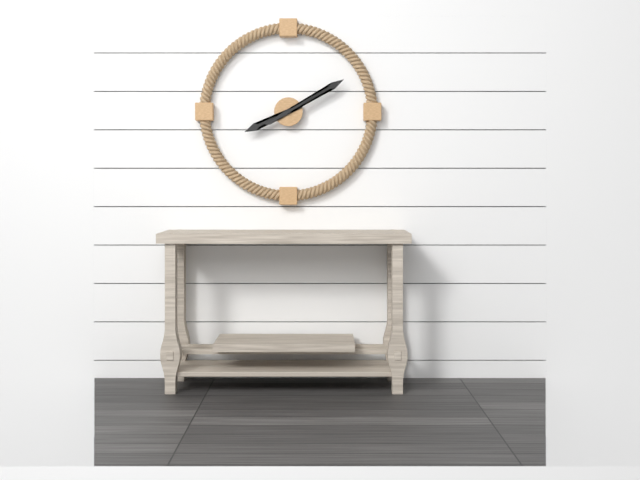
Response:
8.10
